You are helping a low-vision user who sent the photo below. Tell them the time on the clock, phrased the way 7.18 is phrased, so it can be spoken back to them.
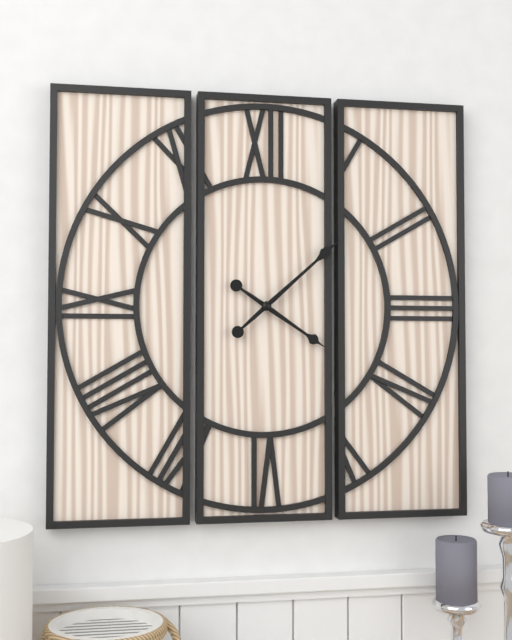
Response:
4.08
